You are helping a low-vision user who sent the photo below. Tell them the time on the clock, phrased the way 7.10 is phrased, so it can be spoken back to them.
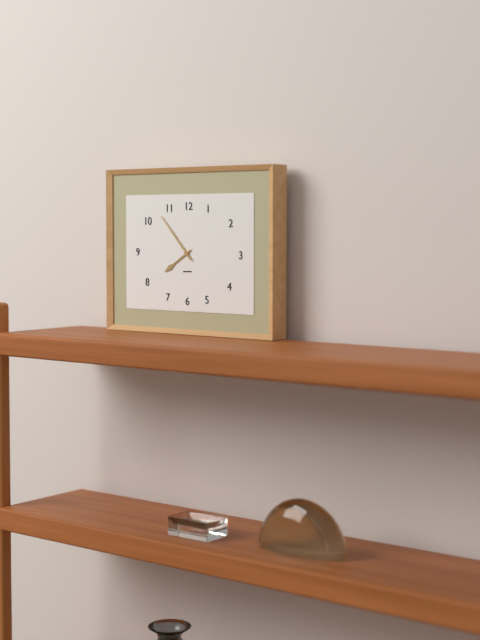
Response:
7.53
